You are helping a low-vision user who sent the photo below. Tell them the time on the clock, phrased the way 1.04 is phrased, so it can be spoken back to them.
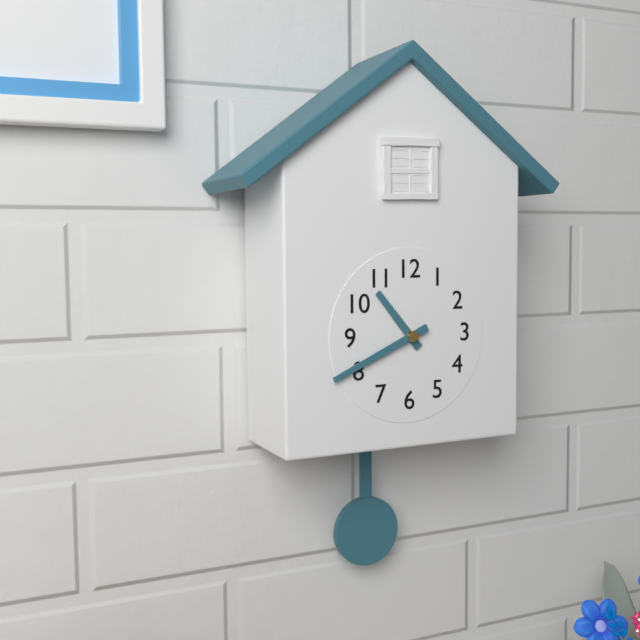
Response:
10.41
